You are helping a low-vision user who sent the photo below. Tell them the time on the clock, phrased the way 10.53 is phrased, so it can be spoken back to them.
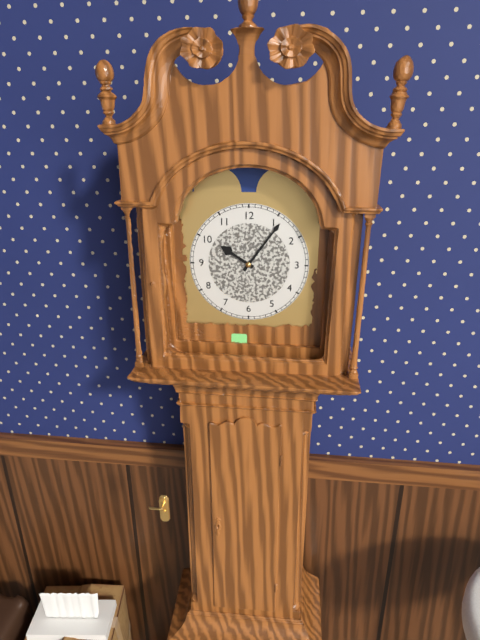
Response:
10.06
